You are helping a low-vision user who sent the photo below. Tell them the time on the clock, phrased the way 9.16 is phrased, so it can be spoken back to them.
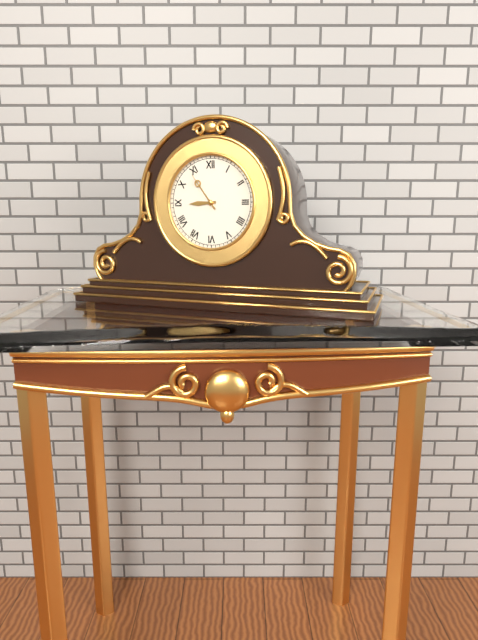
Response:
8.54
